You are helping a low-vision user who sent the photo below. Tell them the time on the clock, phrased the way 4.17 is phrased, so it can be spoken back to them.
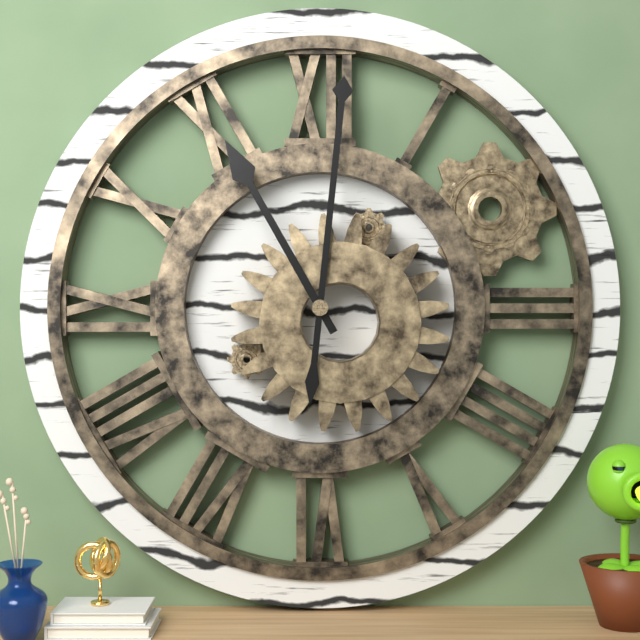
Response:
11.01
